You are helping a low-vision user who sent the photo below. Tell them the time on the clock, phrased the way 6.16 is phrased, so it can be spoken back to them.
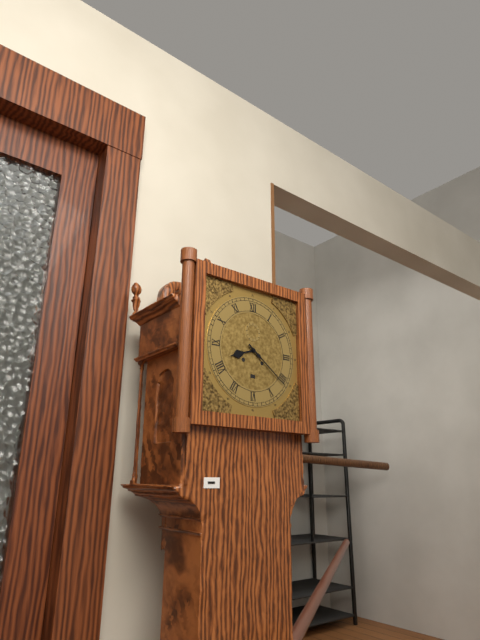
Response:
8.21
